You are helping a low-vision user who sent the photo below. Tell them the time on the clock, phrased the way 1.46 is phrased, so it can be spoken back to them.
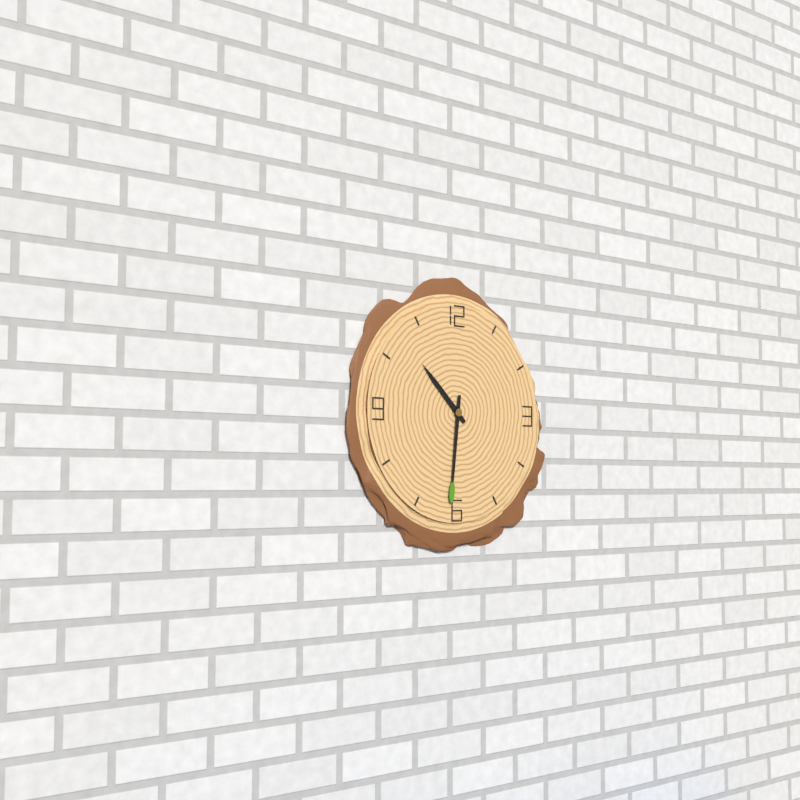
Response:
10.31
